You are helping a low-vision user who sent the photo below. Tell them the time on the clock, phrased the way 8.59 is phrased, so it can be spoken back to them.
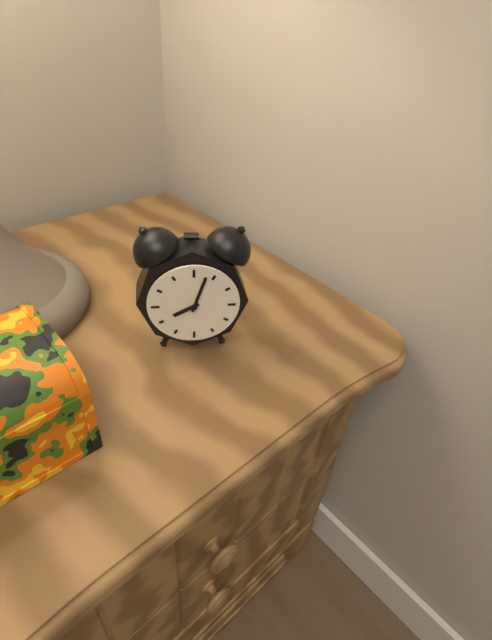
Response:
8.03
